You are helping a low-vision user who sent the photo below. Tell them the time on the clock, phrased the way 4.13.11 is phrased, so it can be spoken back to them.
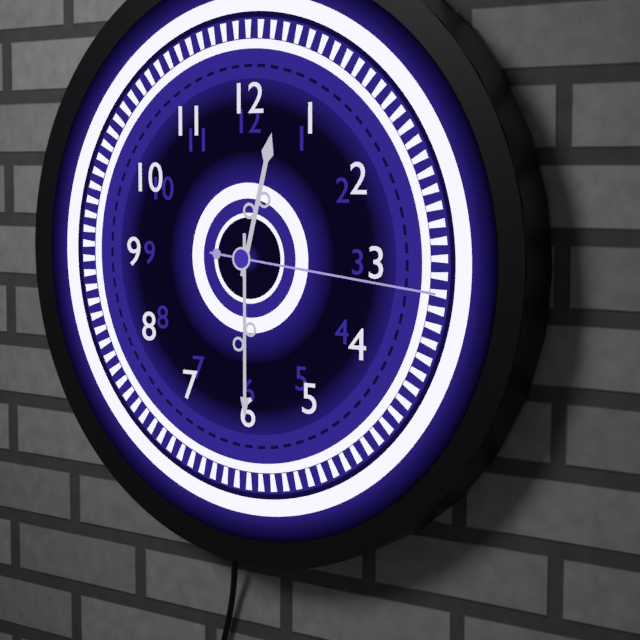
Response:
12.30.16
